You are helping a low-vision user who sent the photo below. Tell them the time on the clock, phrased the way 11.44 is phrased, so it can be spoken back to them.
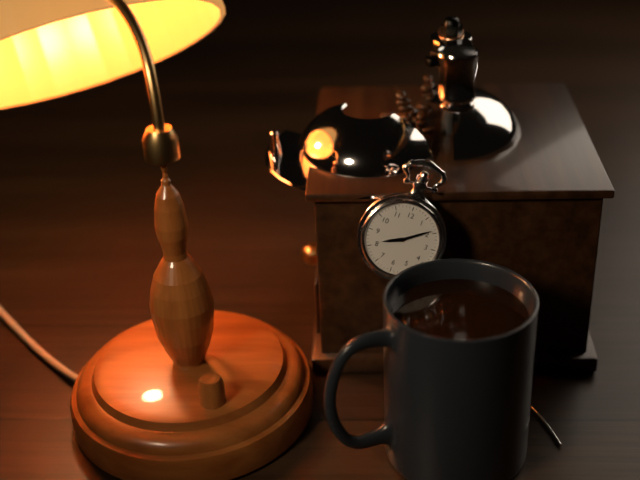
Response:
8.09
